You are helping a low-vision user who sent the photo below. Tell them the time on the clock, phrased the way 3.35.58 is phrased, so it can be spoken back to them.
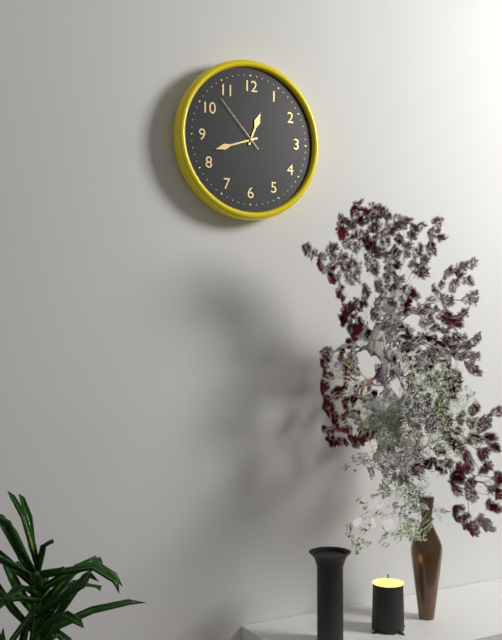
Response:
12.42.53
